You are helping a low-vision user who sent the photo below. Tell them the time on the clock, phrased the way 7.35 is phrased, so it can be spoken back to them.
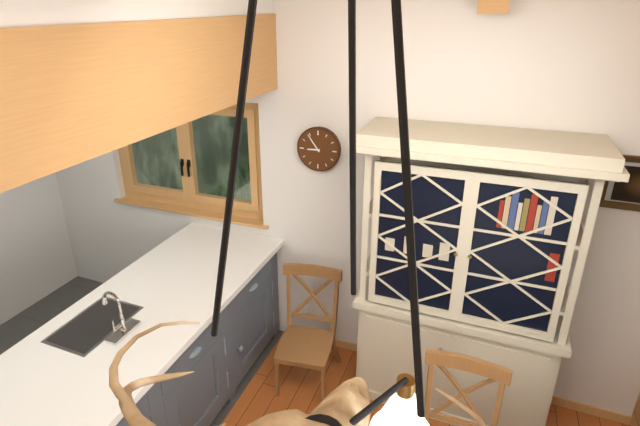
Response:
8.54
